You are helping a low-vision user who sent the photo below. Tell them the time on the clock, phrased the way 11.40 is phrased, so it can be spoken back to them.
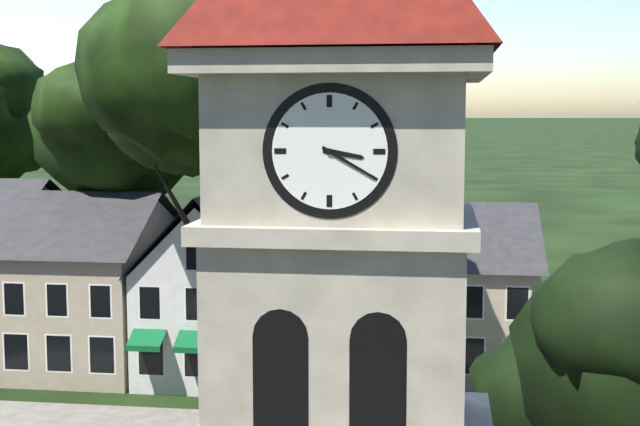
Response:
3.20
